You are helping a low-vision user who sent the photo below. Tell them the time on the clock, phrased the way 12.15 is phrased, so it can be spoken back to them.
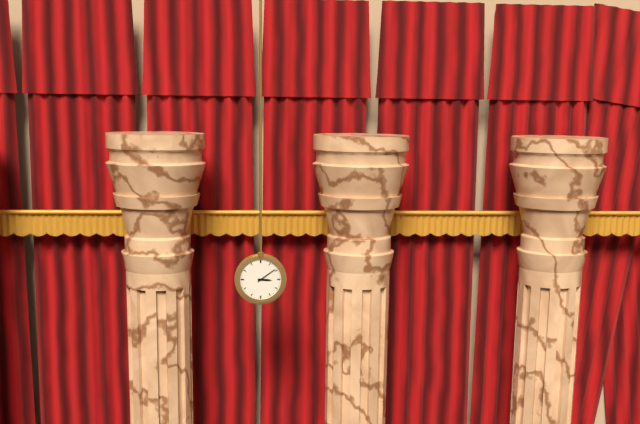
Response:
3.09
